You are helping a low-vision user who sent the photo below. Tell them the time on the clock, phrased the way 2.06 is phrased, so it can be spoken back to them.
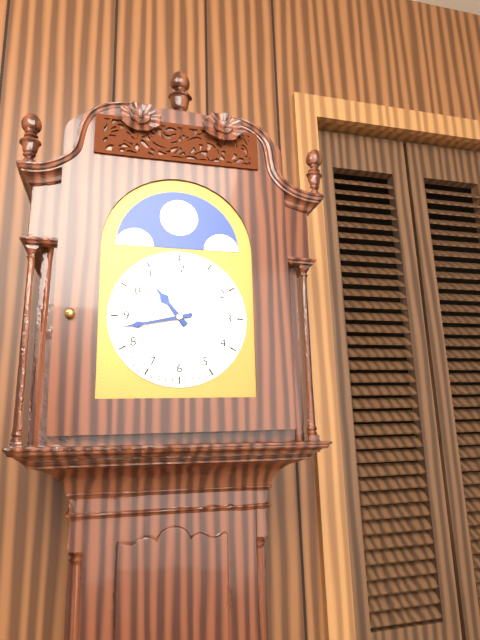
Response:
10.43
